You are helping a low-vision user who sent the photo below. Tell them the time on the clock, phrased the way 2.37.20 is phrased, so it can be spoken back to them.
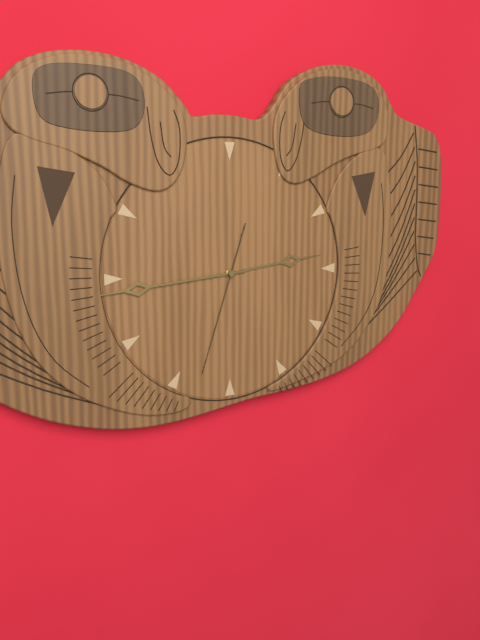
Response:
2.44.33
